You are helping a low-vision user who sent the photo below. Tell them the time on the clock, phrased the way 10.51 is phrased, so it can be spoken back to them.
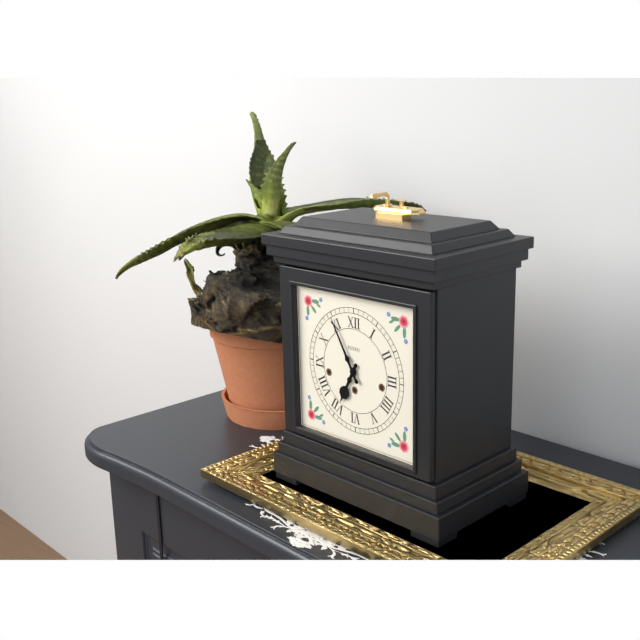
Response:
6.55
